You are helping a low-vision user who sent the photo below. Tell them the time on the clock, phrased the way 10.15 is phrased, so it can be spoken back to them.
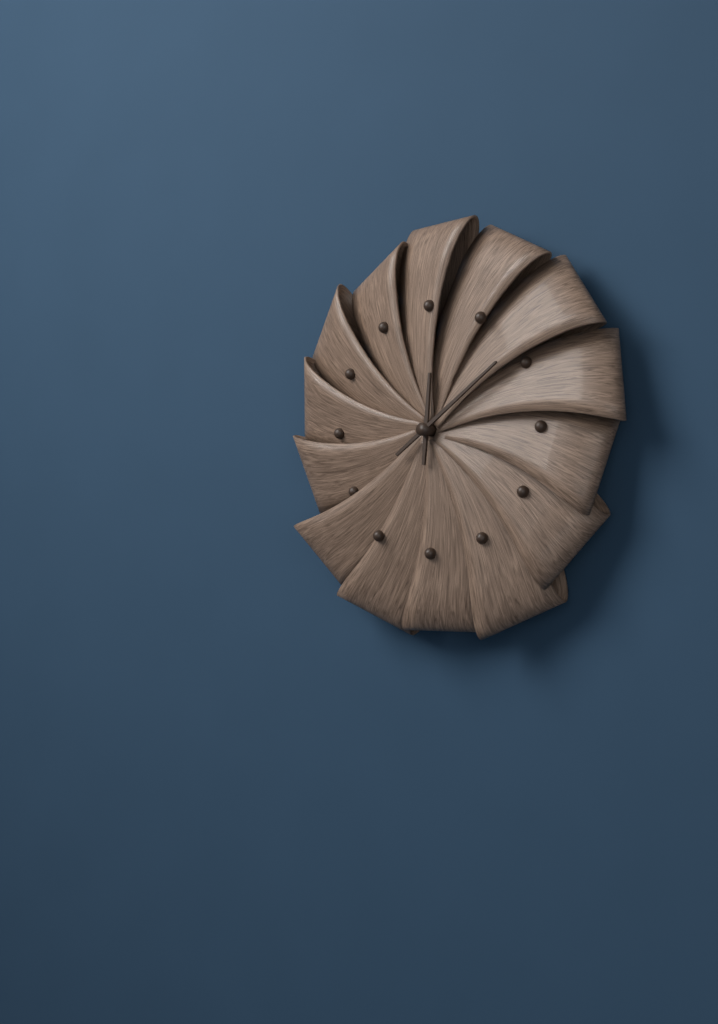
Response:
12.09
